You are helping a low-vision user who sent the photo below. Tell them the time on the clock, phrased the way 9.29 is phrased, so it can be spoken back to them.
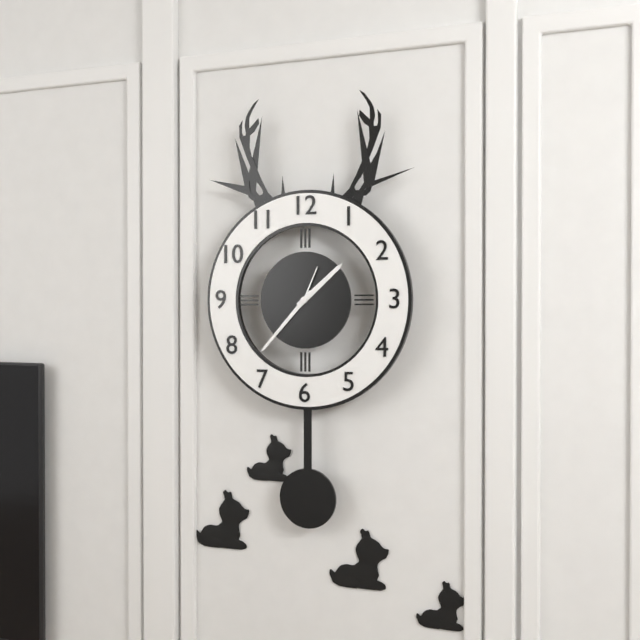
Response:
1.37
